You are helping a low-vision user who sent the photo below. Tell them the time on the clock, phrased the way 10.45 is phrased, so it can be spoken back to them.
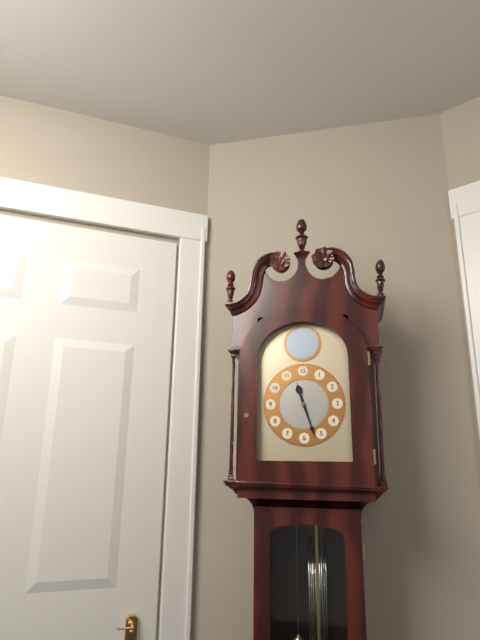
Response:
11.27
